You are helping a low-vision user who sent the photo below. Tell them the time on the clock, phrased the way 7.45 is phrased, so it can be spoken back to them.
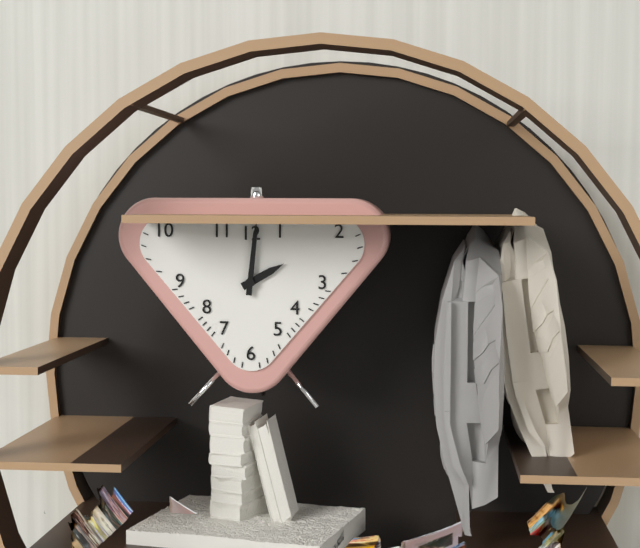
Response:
2.01
